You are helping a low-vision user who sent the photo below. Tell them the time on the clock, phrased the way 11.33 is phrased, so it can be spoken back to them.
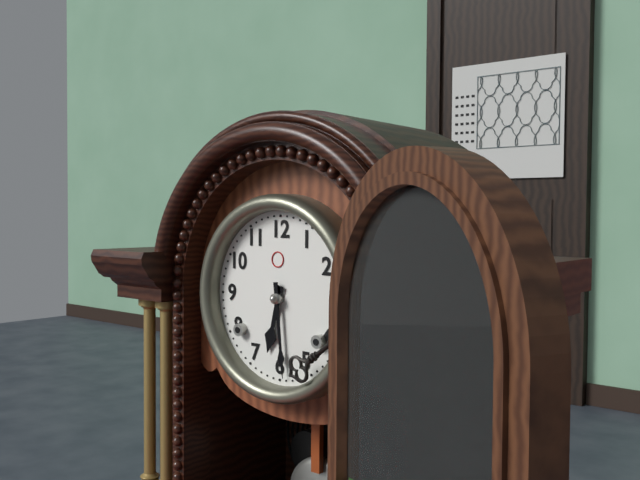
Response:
6.29
